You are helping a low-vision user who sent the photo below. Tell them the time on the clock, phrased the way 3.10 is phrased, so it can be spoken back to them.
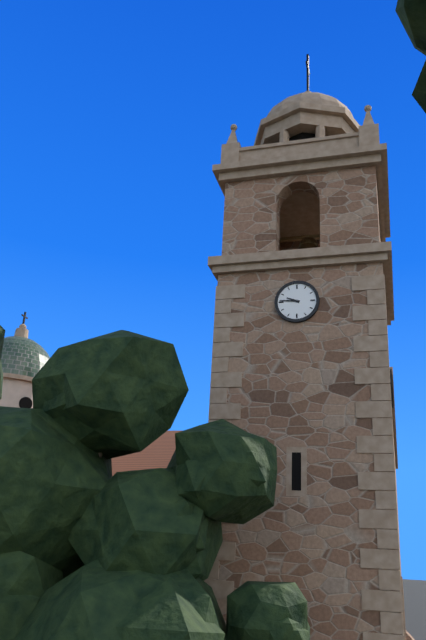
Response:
9.46
